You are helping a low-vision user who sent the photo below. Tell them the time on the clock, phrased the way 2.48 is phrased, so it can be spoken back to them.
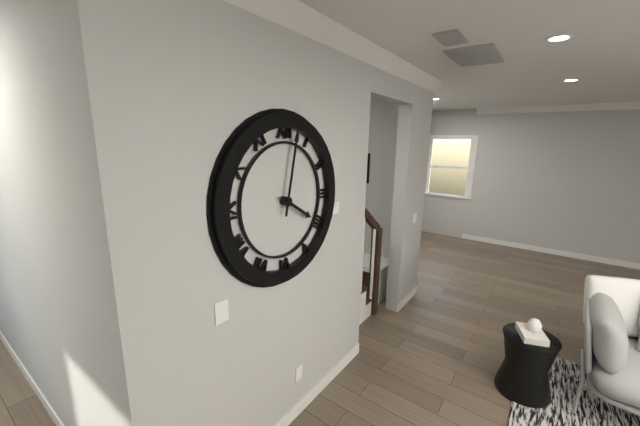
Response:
4.02
